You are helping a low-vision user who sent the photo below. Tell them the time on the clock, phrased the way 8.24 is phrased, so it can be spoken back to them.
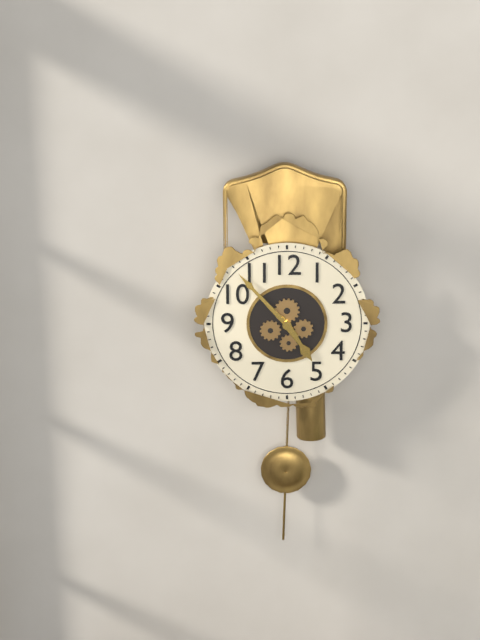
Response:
4.53
